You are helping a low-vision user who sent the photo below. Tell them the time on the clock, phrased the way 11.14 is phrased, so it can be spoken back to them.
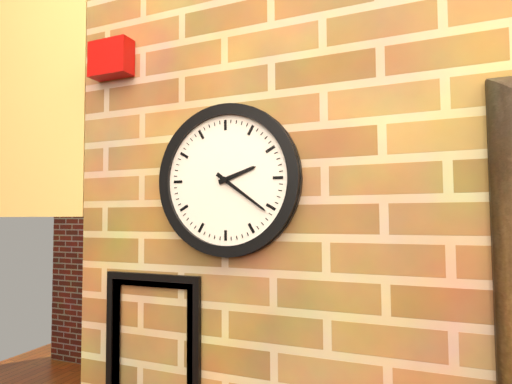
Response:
2.21
